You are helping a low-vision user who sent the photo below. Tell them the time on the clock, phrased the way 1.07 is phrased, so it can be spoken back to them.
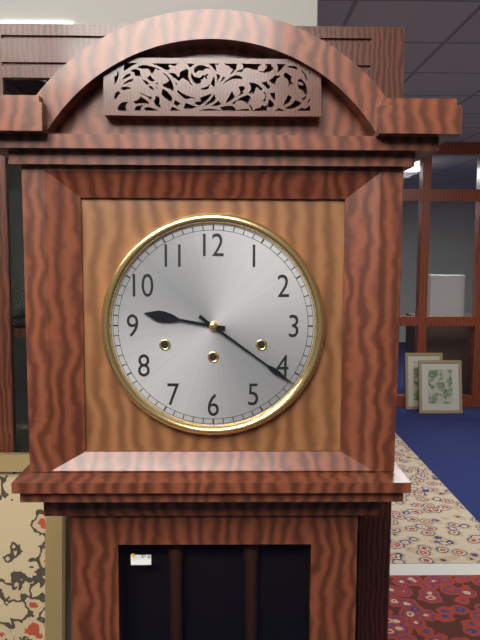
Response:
9.21
